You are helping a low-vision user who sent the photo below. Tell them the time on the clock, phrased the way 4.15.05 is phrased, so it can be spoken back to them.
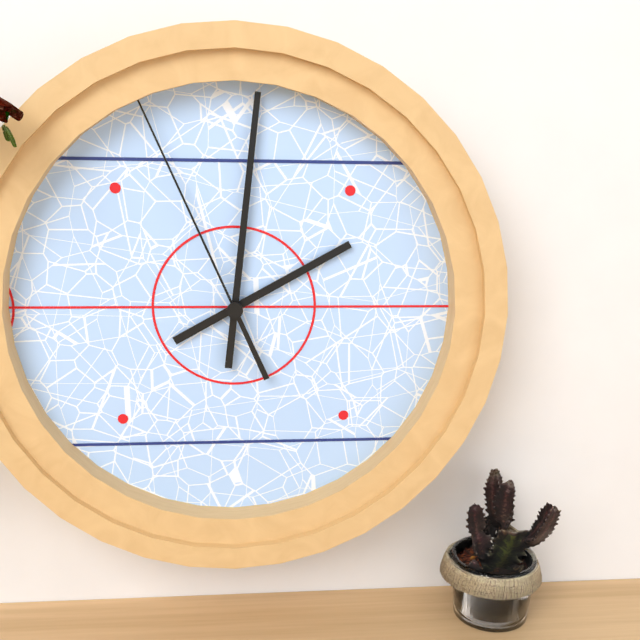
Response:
2.01.56
